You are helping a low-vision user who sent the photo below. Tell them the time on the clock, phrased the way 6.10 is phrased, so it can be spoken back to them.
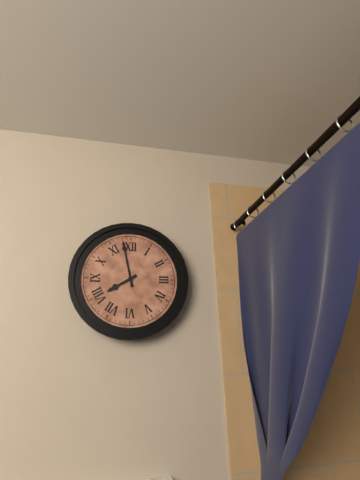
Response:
7.58
